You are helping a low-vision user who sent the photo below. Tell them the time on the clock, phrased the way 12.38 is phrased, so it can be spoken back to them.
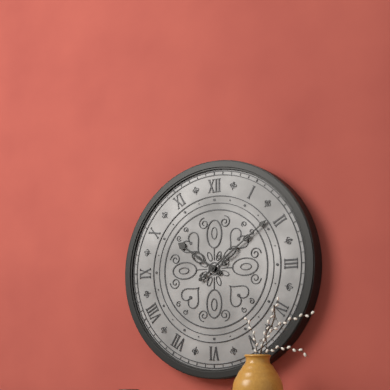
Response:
10.09
